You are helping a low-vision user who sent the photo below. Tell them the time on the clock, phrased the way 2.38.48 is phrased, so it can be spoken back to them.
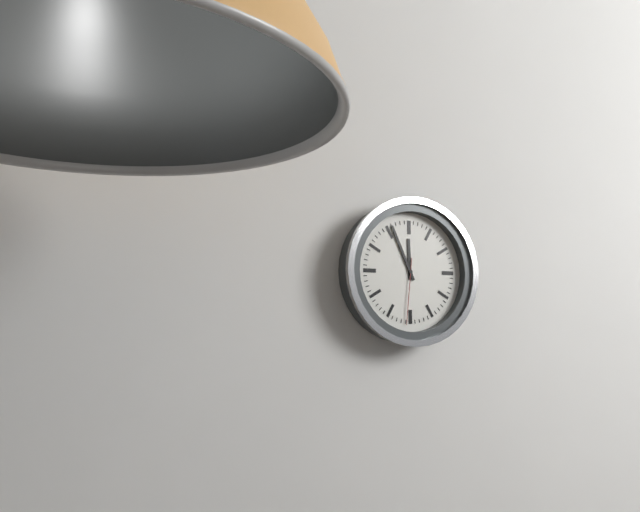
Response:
11.56.31
